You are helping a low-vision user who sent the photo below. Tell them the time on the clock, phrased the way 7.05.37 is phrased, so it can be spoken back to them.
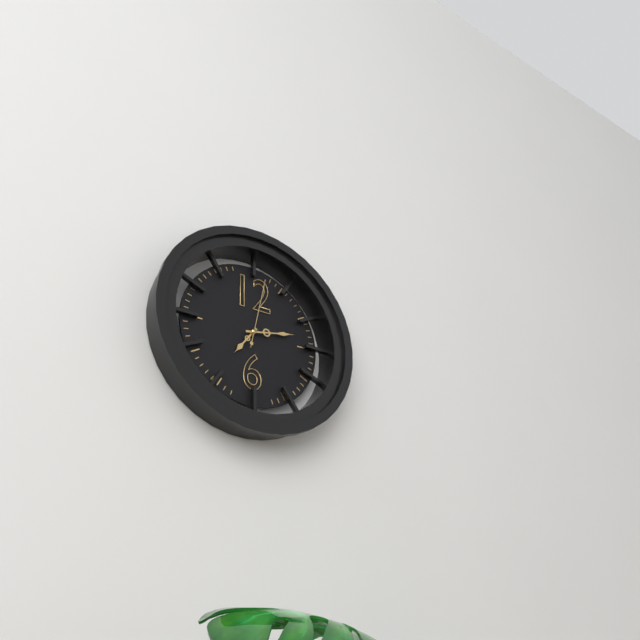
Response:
7.13.02
